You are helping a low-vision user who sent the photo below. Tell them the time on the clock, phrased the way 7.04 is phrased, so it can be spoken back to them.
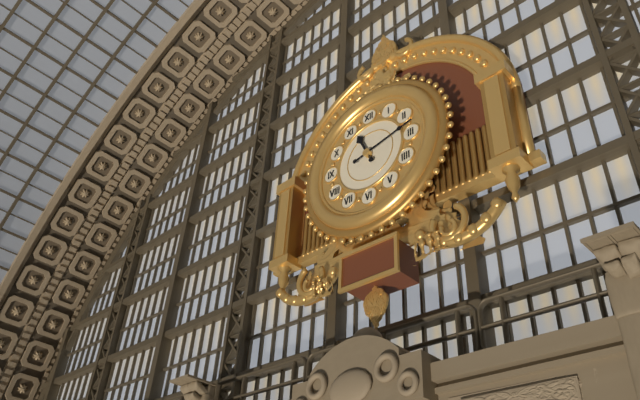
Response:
11.13
